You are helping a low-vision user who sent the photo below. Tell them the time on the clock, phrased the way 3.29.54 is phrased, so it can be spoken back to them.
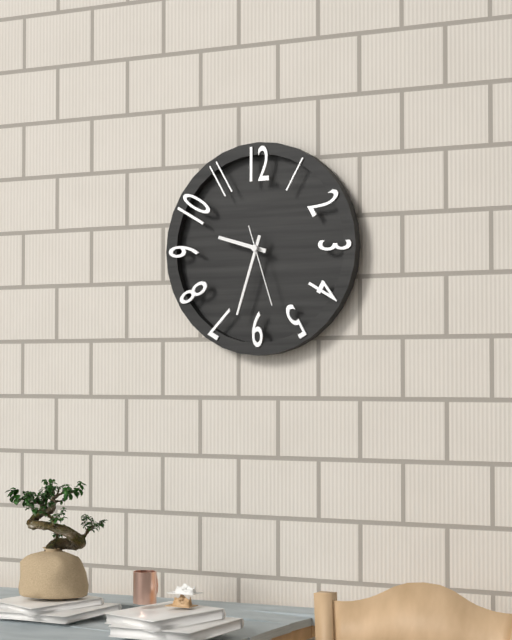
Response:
9.33.27
